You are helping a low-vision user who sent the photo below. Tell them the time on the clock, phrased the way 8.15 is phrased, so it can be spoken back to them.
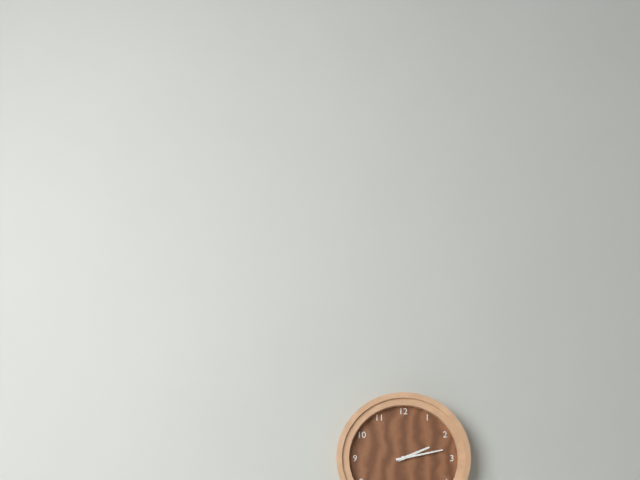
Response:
2.13
